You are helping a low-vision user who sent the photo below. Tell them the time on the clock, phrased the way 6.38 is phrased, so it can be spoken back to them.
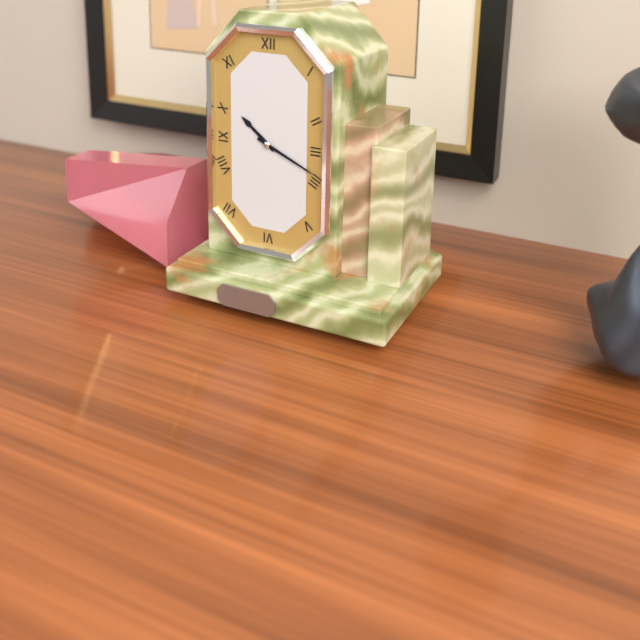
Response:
10.19
